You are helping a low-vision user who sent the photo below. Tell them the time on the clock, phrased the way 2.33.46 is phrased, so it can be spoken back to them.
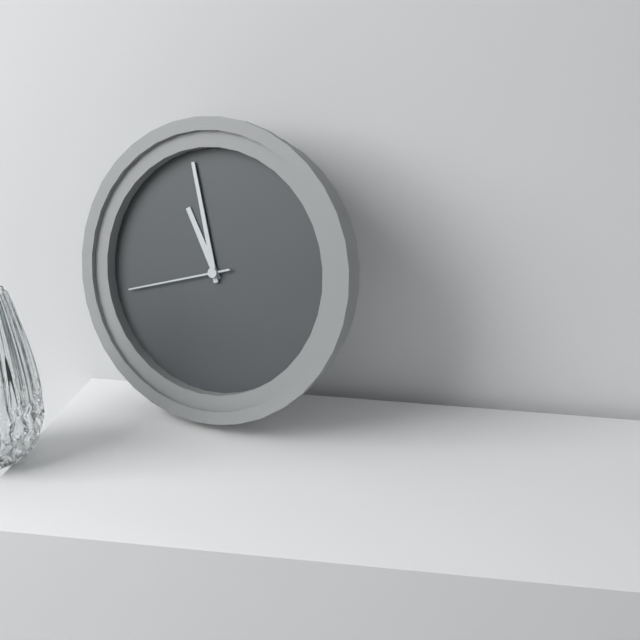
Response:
10.57.42
